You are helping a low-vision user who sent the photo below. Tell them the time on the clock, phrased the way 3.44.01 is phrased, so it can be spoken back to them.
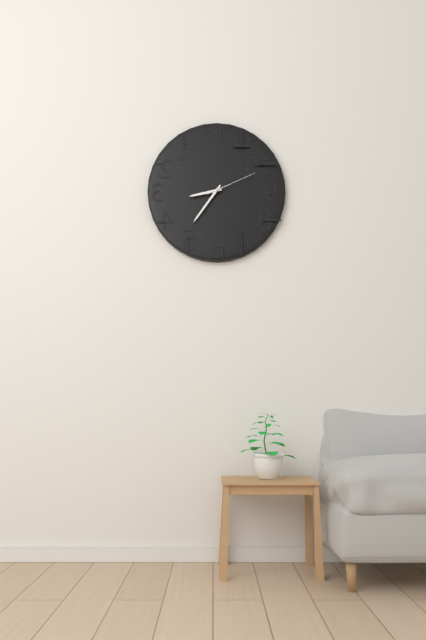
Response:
8.36.11
